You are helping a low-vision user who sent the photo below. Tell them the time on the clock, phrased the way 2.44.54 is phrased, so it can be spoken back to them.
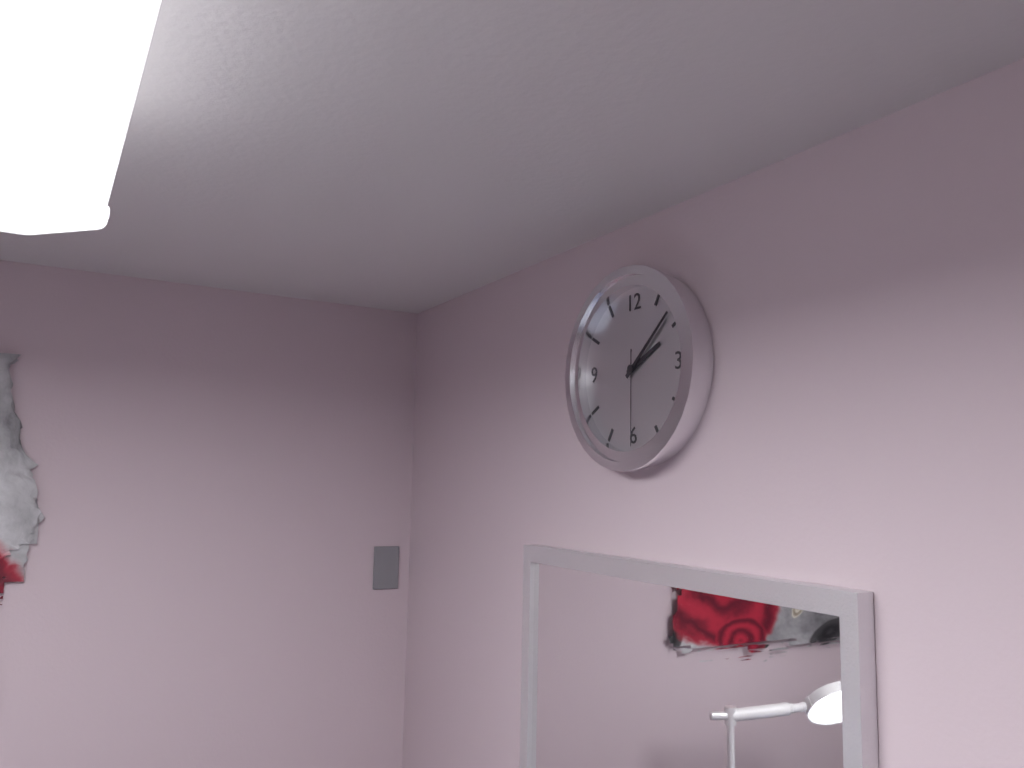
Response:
2.08.30
